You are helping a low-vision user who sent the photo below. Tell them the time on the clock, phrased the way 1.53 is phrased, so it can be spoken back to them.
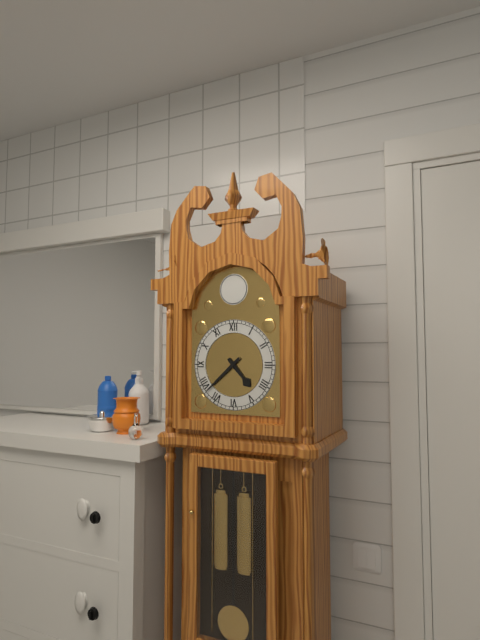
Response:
4.38
